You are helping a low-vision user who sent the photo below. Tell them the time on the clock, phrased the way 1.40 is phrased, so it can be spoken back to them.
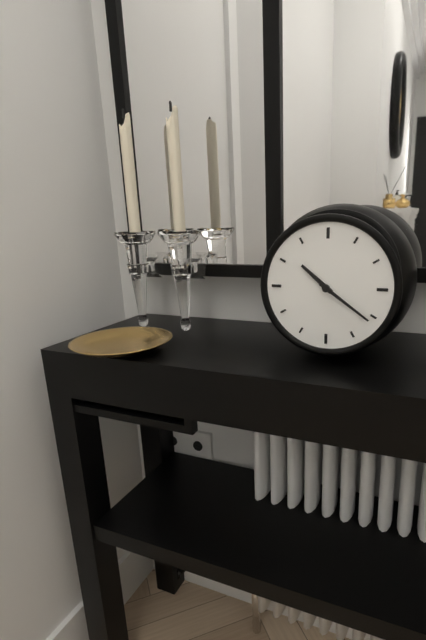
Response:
10.21
